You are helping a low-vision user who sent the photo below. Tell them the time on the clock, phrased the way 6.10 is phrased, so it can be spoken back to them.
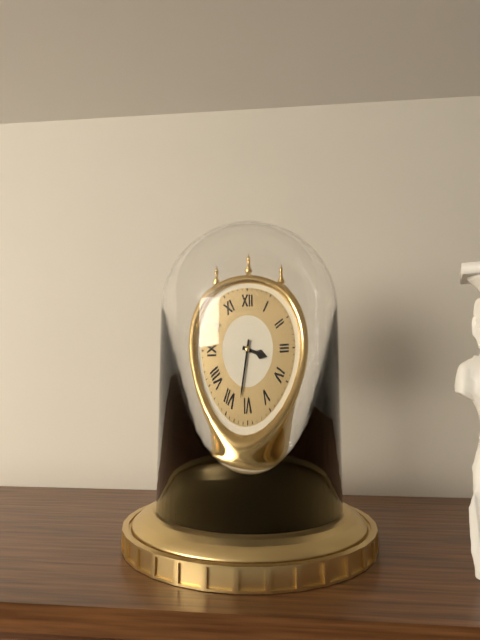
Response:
3.32
